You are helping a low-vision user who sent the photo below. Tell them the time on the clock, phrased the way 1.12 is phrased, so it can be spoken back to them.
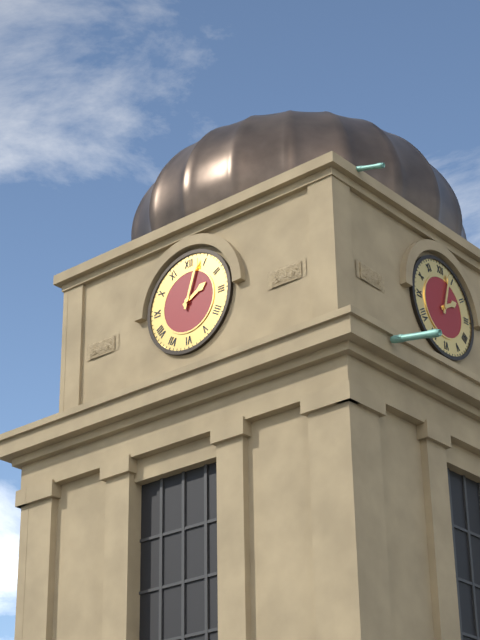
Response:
2.03
